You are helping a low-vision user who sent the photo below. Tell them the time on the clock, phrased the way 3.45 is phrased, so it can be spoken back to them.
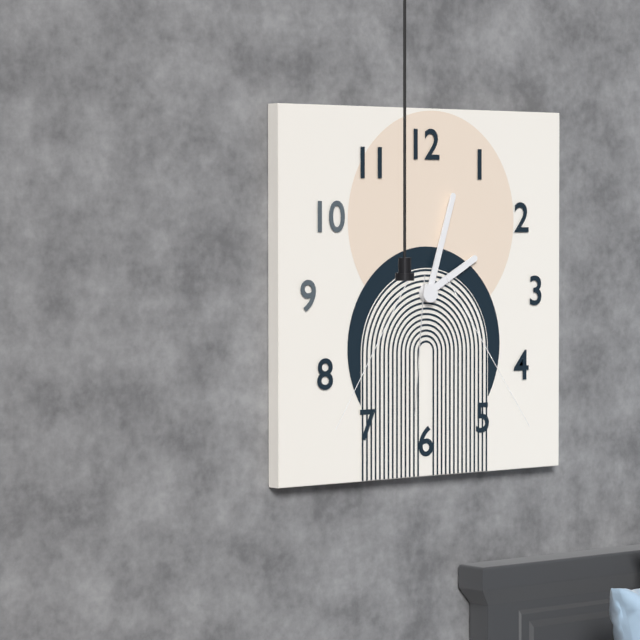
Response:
2.03
